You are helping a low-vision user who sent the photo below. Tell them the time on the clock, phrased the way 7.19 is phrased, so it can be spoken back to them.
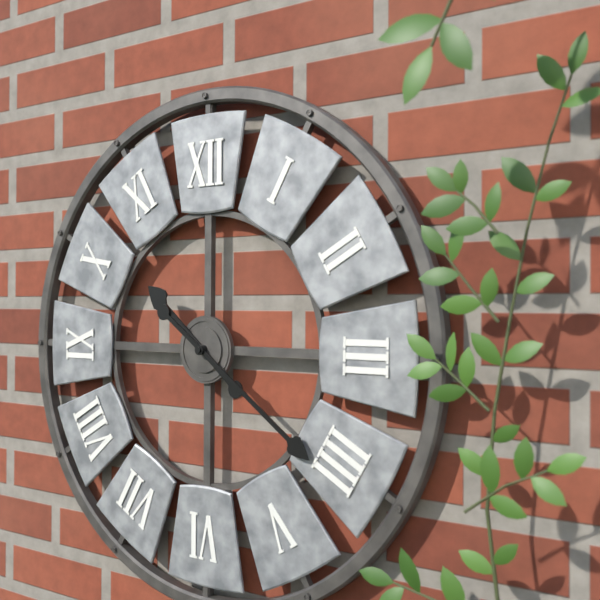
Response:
10.21
